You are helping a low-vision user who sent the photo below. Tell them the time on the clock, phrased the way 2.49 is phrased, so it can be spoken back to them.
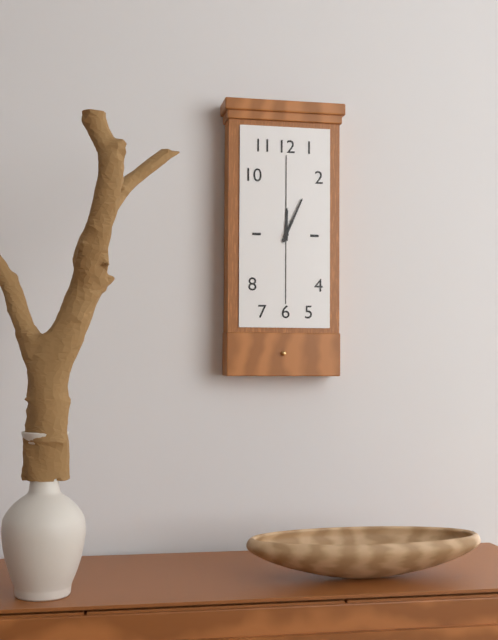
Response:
12.04
